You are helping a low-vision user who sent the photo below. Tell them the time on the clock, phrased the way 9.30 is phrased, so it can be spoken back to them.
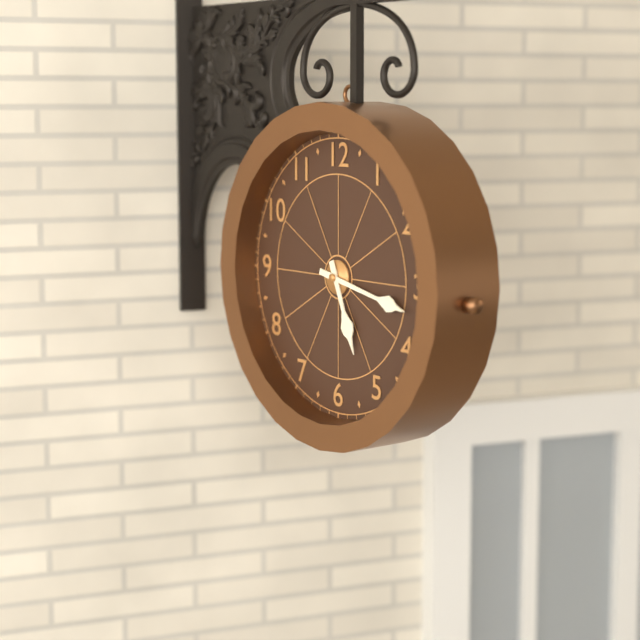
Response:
5.17
